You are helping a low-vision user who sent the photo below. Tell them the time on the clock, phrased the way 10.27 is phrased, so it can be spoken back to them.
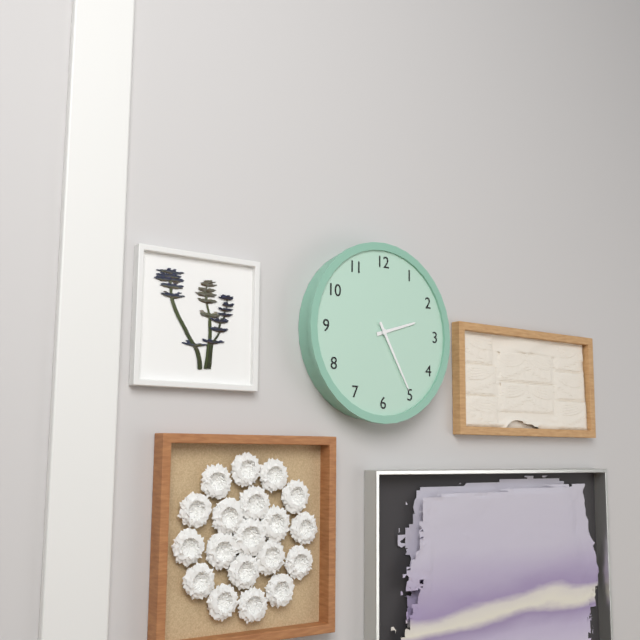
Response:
2.25
